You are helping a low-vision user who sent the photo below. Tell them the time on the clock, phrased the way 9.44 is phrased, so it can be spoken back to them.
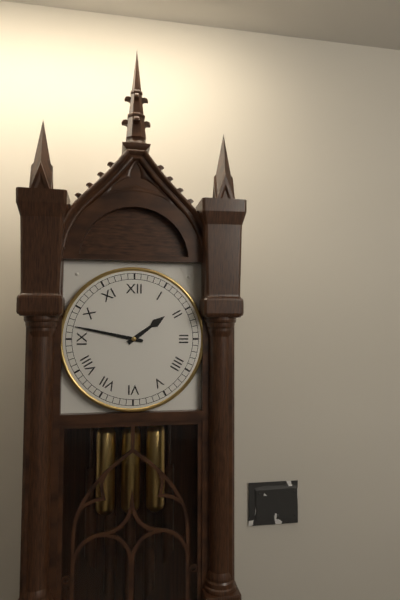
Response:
1.47
